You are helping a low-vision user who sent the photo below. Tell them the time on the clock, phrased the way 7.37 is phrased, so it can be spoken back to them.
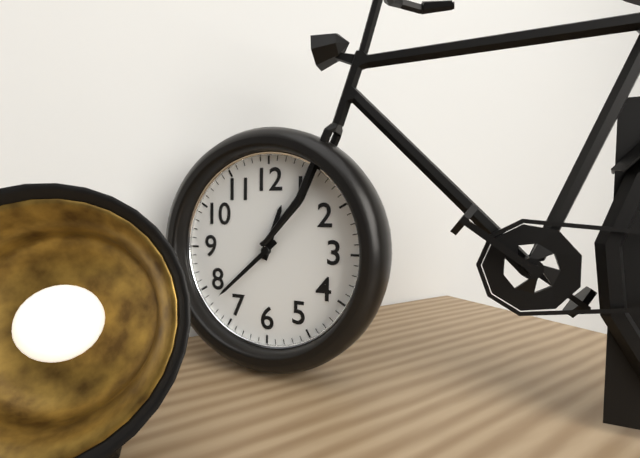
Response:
12.38
